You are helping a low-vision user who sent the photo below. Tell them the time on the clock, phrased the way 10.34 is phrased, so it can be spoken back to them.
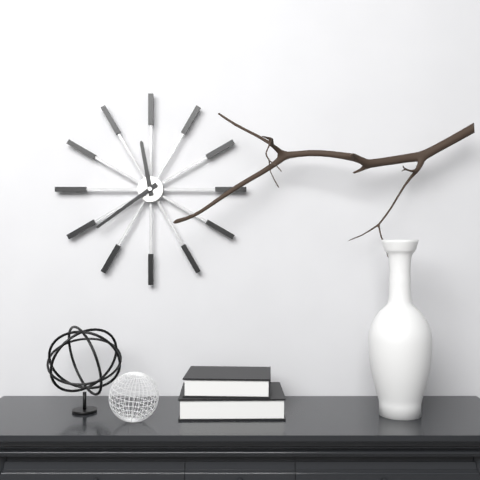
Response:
11.39
